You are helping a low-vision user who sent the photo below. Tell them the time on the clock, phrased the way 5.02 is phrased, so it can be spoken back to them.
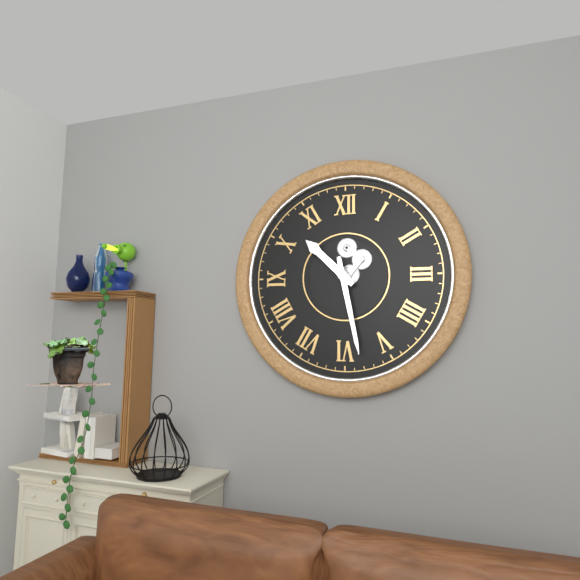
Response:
10.28
